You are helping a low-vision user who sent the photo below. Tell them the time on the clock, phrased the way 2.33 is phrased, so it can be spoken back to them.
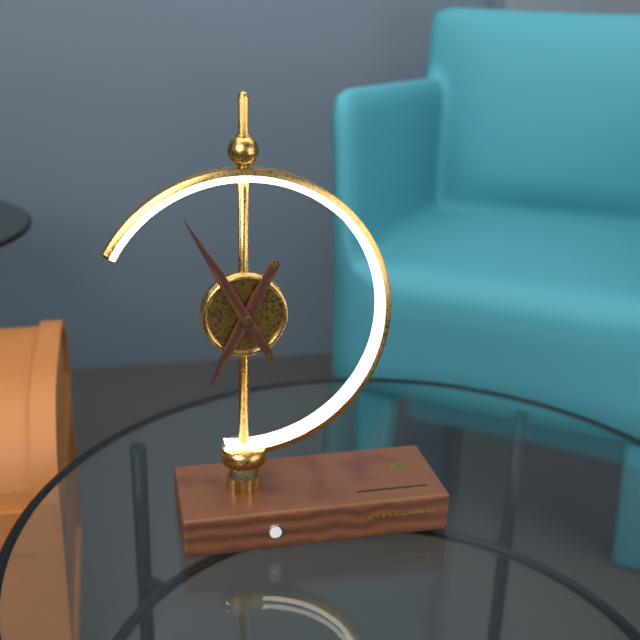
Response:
6.55
